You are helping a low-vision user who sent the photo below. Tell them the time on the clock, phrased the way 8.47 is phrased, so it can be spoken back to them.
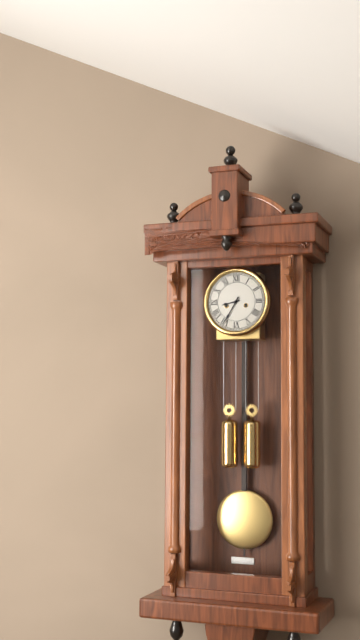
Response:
8.35
